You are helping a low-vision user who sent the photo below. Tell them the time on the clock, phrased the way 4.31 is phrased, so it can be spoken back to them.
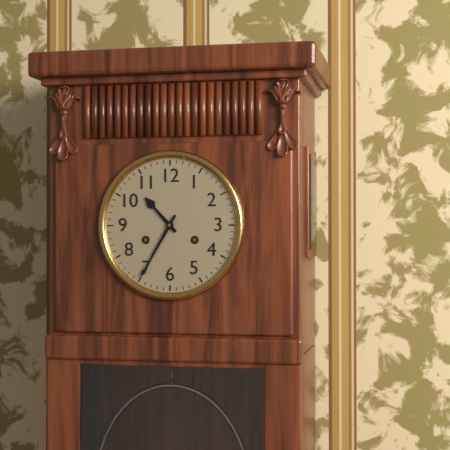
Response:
10.35
